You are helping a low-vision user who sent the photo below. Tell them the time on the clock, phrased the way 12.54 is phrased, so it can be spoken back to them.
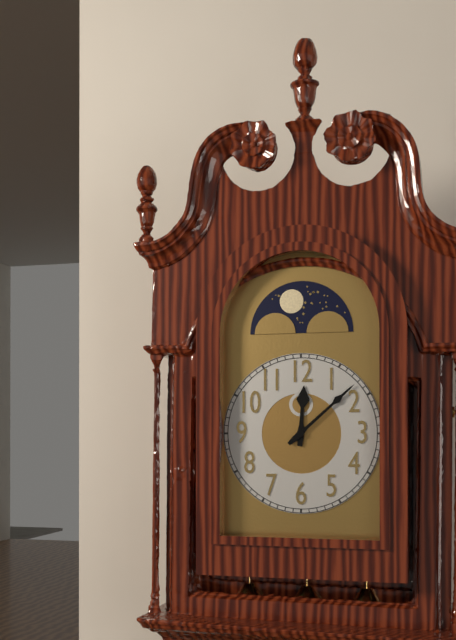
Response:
12.08
